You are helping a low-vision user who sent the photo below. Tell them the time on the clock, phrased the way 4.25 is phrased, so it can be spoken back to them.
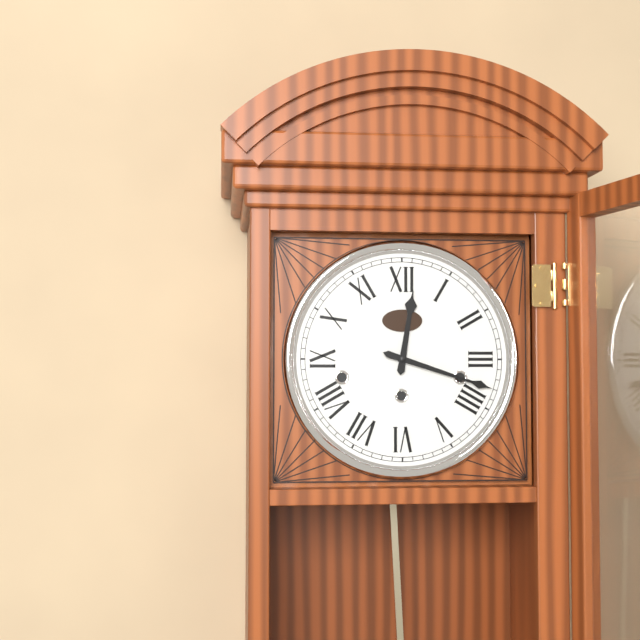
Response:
12.18
